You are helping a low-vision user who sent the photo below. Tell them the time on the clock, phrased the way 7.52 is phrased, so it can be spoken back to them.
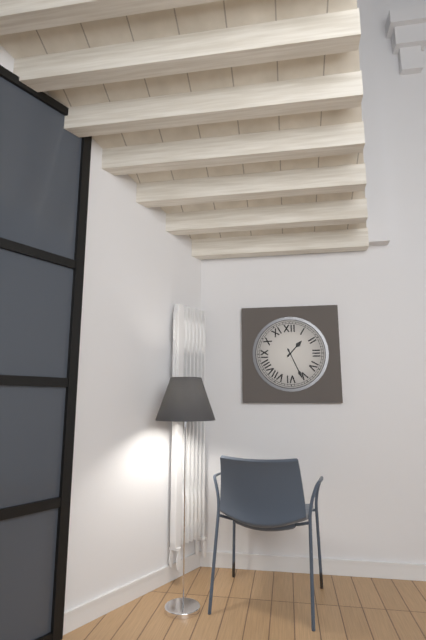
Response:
1.26
